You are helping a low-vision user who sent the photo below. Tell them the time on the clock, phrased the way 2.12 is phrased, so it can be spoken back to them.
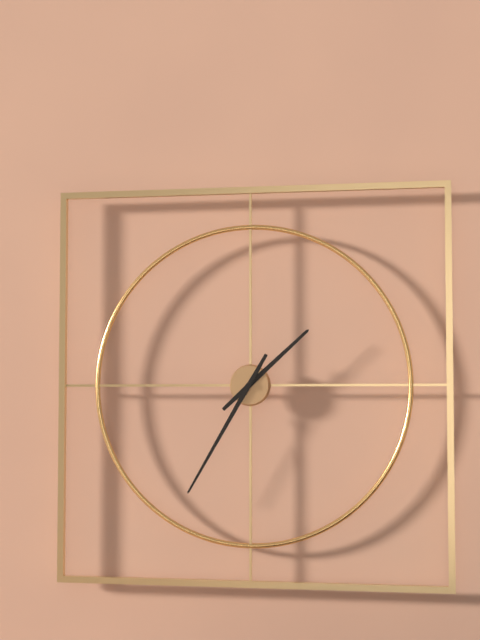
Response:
1.35
